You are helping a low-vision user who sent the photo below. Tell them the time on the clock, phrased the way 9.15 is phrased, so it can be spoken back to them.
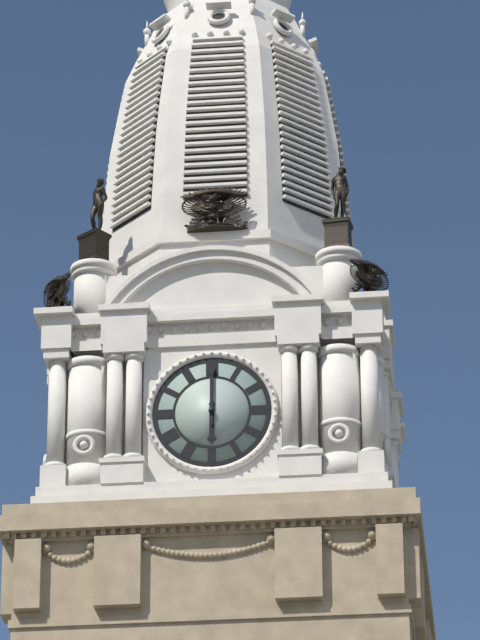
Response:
6.00
